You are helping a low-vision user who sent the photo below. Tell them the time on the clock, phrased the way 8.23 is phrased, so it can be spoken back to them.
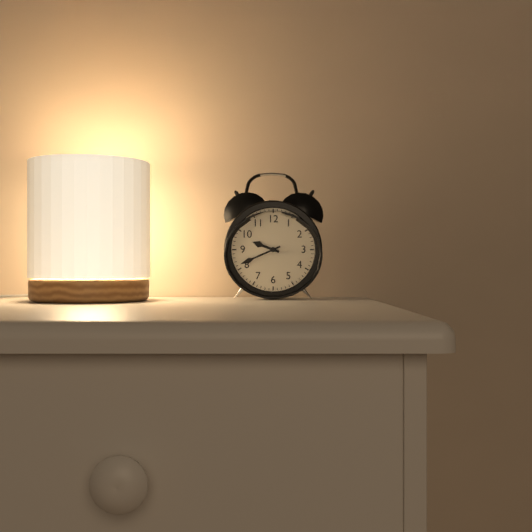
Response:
9.41
